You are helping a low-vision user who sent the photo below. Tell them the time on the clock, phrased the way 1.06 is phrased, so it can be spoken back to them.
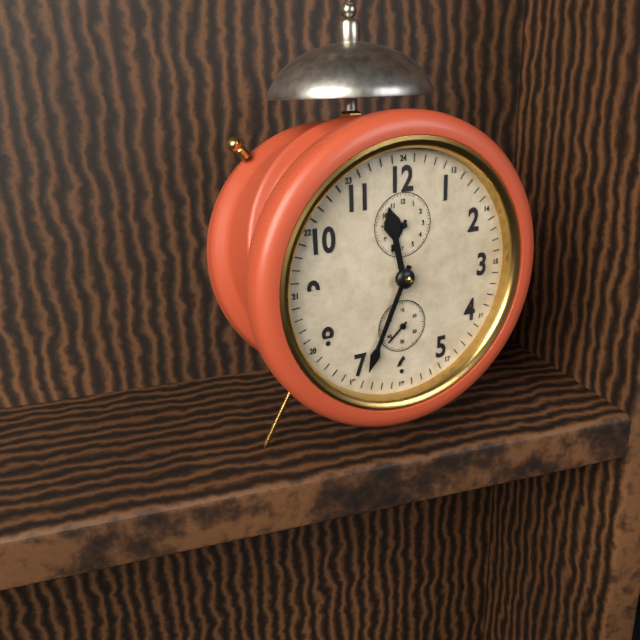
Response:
11.34
